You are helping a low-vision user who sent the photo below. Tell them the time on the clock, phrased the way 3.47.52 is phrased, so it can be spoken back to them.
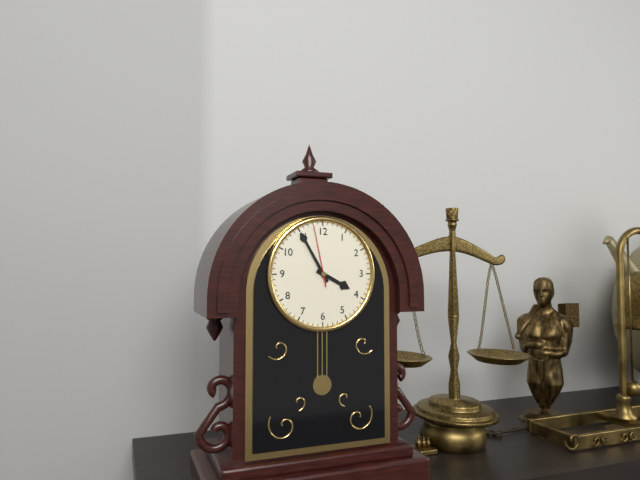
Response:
3.55.58
